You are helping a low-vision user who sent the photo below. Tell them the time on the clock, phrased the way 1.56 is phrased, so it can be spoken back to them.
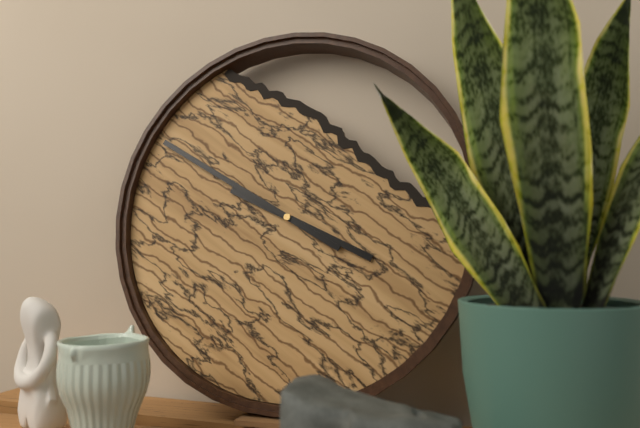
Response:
3.50
